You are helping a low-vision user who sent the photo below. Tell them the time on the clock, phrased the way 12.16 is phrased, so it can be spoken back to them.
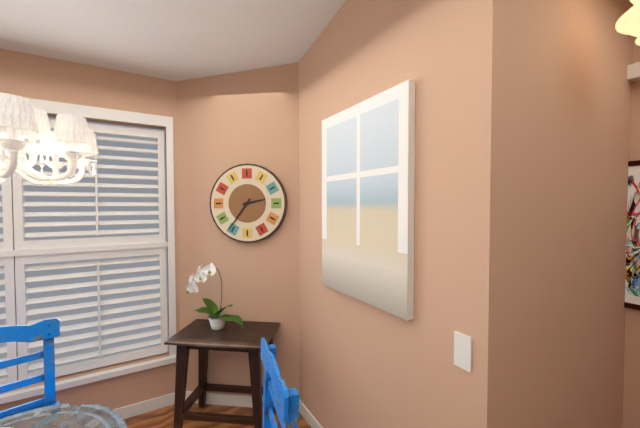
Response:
2.36
